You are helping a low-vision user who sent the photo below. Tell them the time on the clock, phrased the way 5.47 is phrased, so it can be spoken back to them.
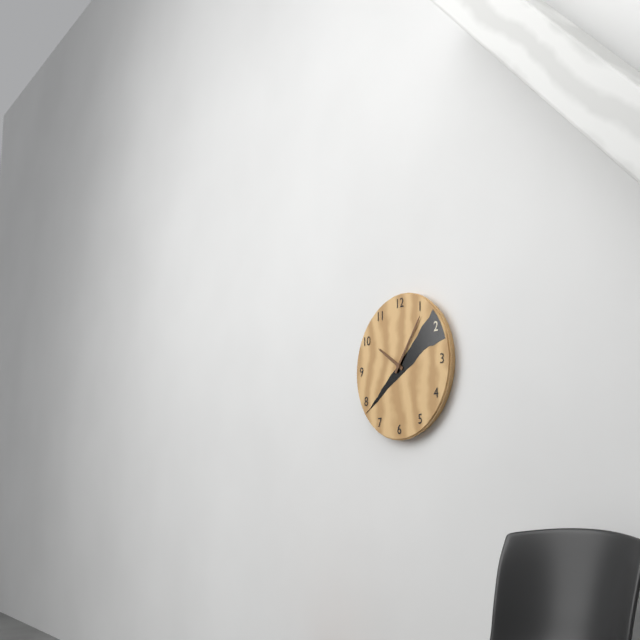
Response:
10.06
